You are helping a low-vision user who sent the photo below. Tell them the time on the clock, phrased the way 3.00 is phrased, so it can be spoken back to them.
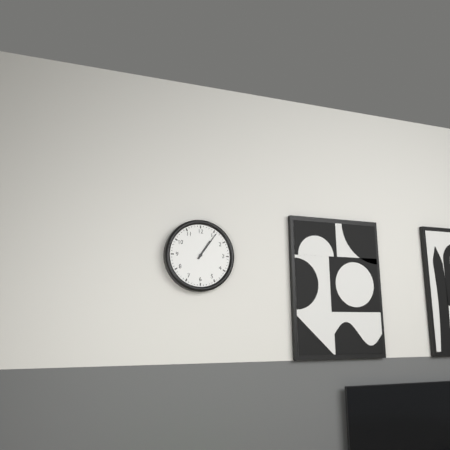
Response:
1.06
